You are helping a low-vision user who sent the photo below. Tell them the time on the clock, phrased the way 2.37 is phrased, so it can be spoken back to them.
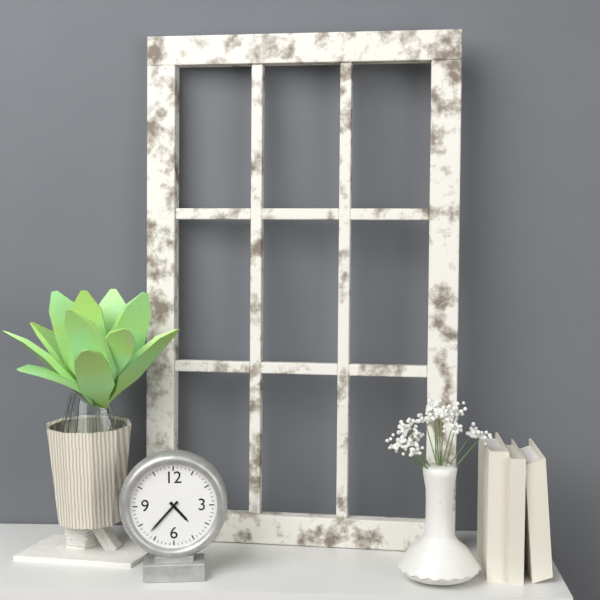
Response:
4.37
